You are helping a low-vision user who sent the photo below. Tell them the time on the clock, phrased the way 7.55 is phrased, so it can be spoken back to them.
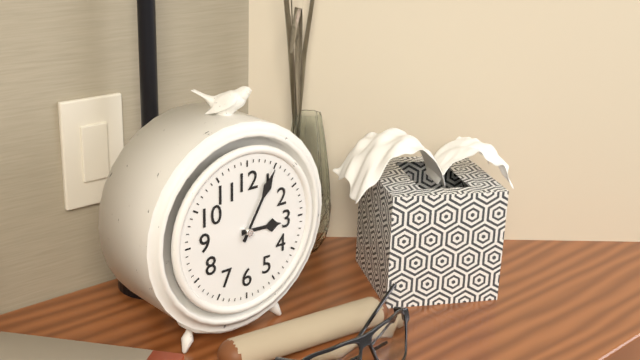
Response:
3.05
